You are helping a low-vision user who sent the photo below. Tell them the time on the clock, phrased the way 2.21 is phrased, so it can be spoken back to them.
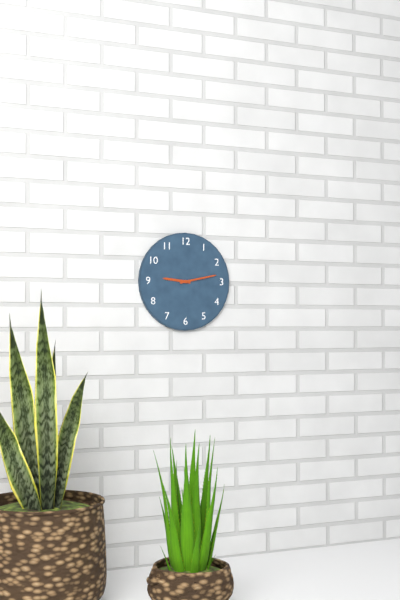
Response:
9.13
